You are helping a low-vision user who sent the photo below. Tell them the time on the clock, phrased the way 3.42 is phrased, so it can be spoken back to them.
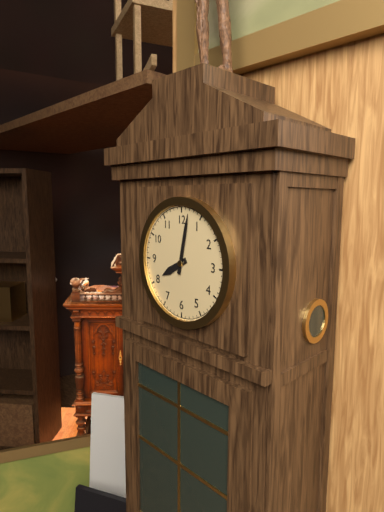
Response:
8.02
